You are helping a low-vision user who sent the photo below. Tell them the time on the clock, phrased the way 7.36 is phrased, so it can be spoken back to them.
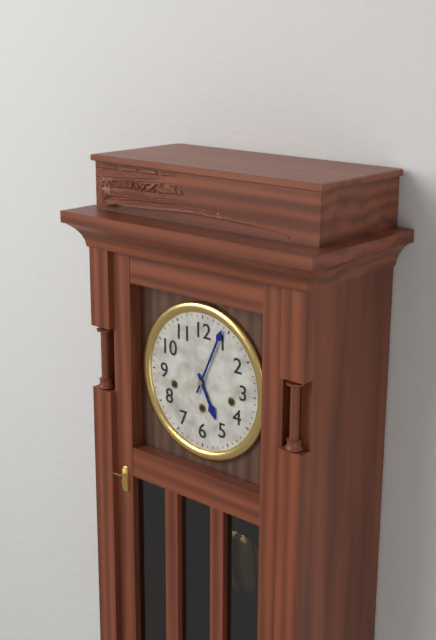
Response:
5.04
